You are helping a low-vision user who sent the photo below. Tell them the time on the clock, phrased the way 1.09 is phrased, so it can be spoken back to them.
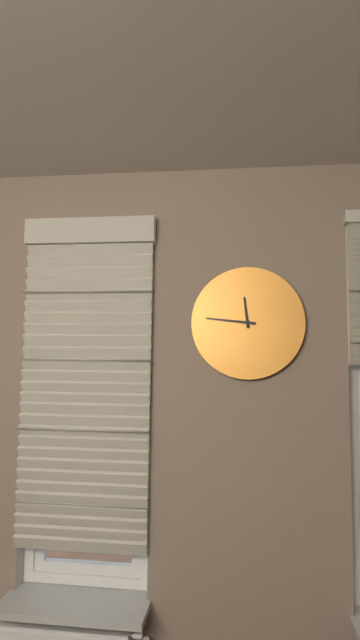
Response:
11.46
